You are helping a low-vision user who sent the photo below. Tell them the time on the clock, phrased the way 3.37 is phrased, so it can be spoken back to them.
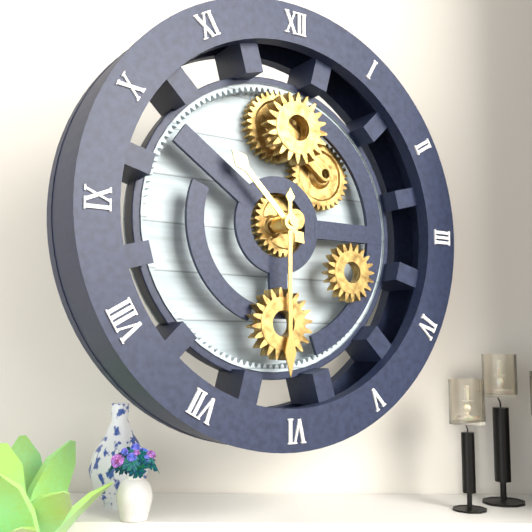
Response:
10.30
